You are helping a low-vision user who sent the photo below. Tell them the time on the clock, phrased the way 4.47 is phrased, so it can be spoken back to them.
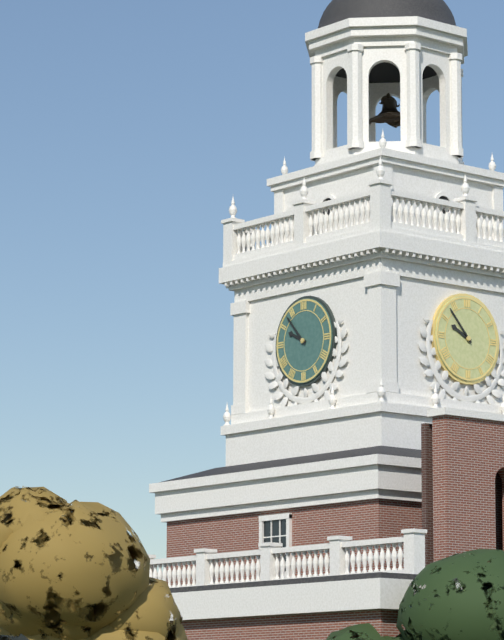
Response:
9.53
